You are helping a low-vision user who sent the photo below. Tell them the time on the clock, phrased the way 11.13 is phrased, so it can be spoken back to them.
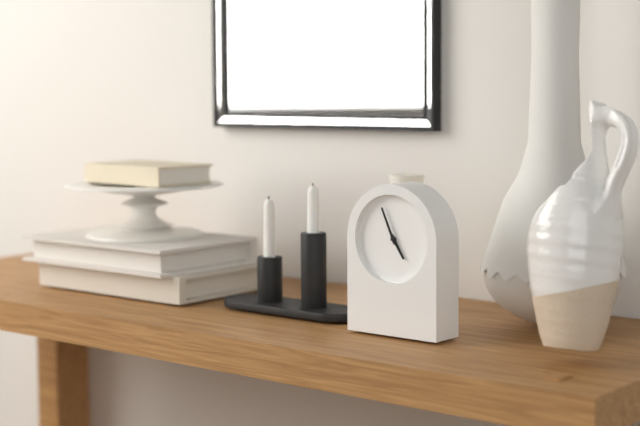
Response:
4.56
